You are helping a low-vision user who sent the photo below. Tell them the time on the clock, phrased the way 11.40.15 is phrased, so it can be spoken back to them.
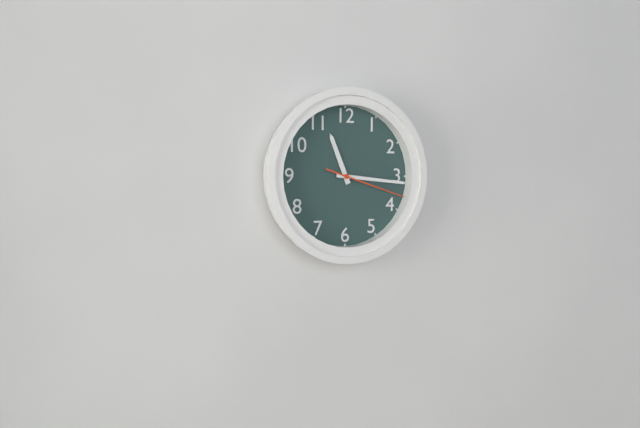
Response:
11.16.18
